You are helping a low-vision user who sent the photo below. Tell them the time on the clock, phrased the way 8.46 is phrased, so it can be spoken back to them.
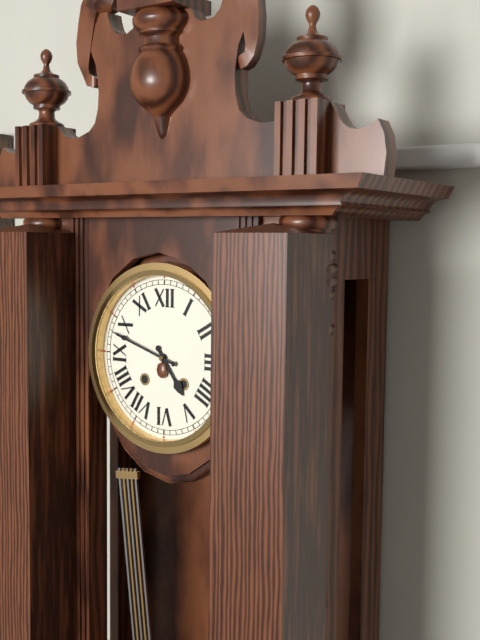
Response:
4.48
